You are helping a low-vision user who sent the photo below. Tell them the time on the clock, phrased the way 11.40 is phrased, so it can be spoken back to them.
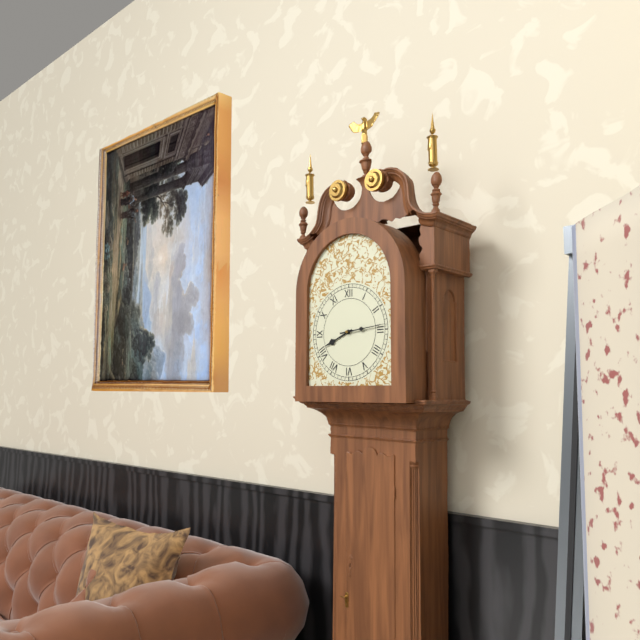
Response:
8.14
